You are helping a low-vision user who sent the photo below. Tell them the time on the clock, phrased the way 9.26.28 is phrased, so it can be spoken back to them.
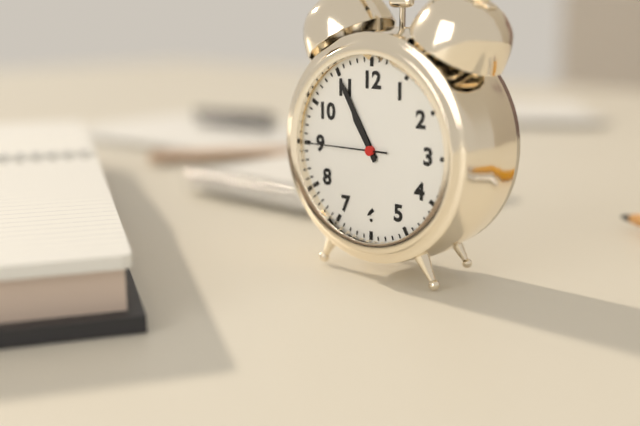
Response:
10.55.45
